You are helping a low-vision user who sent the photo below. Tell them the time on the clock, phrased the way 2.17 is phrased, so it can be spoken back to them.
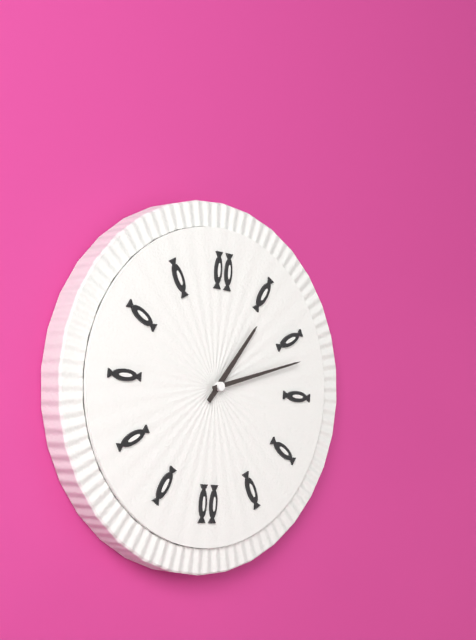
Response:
1.12
